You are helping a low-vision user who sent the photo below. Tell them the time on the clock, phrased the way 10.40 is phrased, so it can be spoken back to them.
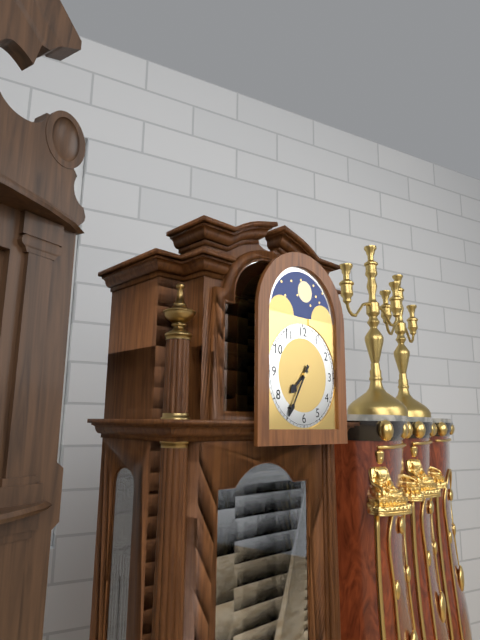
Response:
7.35
